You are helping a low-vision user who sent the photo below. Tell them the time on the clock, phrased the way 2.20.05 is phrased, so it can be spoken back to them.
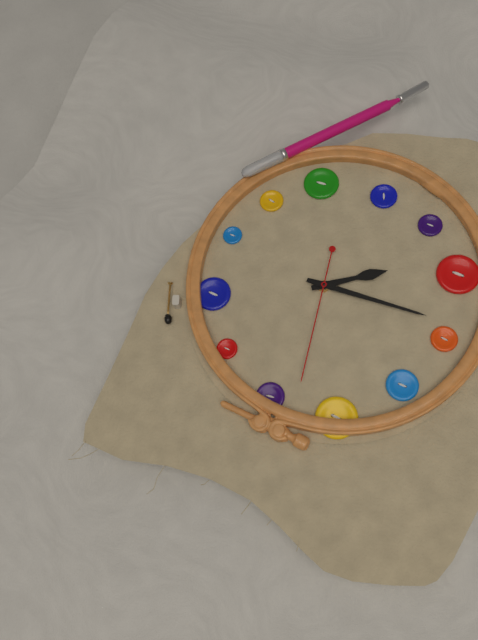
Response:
7.44.58
